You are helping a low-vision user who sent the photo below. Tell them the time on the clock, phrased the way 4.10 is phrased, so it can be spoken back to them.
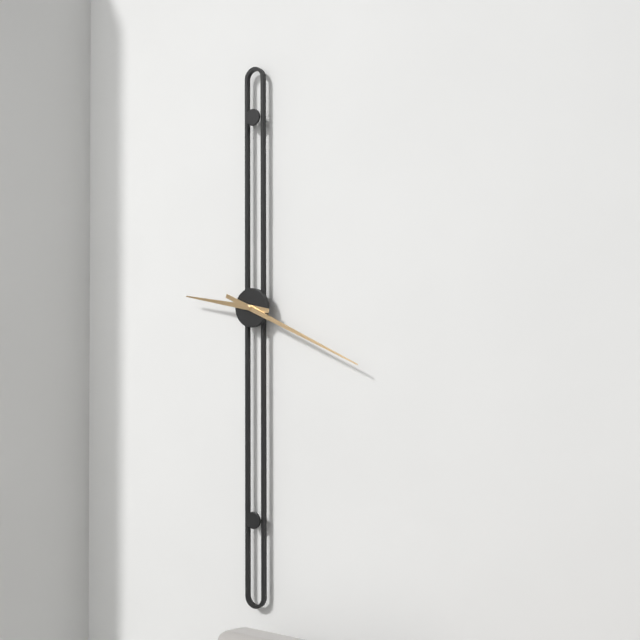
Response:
9.19
